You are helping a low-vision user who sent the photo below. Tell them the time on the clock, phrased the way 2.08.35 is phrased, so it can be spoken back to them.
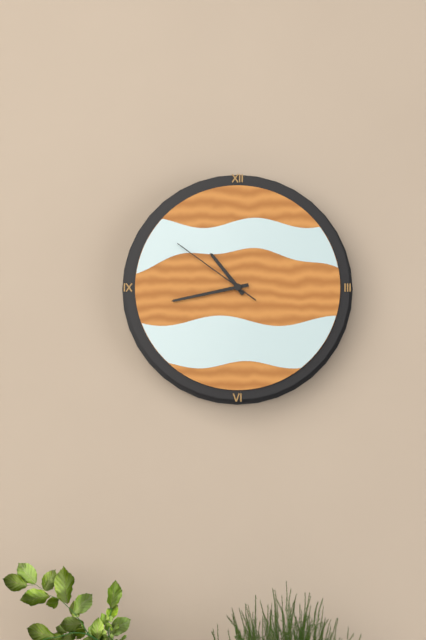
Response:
10.43.51
